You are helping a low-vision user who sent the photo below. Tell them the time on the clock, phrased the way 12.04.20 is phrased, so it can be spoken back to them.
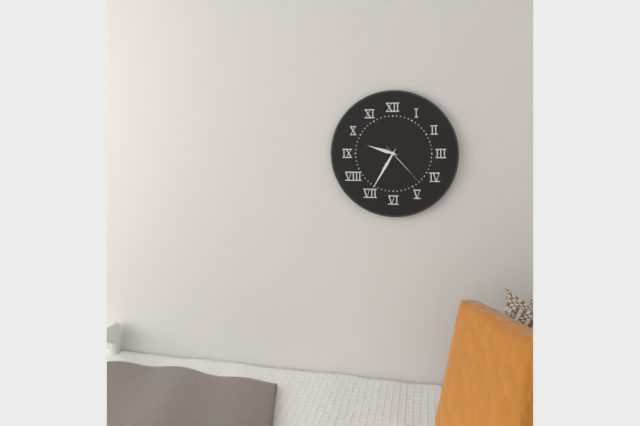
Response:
9.35.23
